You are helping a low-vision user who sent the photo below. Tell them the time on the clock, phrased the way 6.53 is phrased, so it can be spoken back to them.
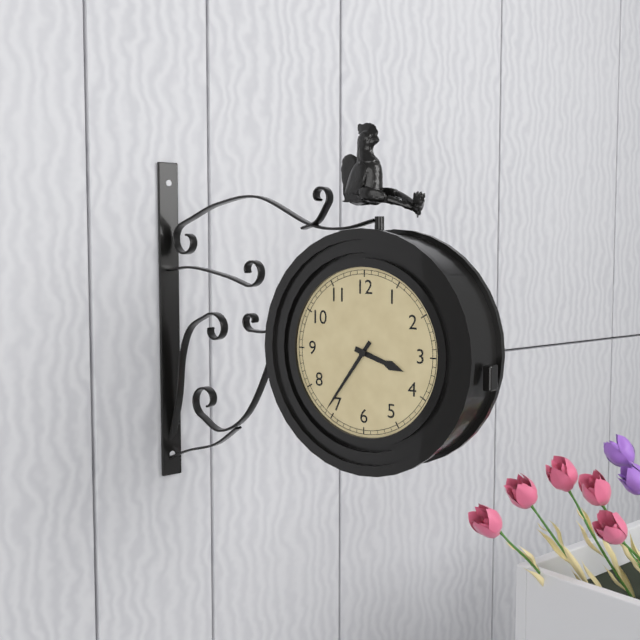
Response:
3.36
